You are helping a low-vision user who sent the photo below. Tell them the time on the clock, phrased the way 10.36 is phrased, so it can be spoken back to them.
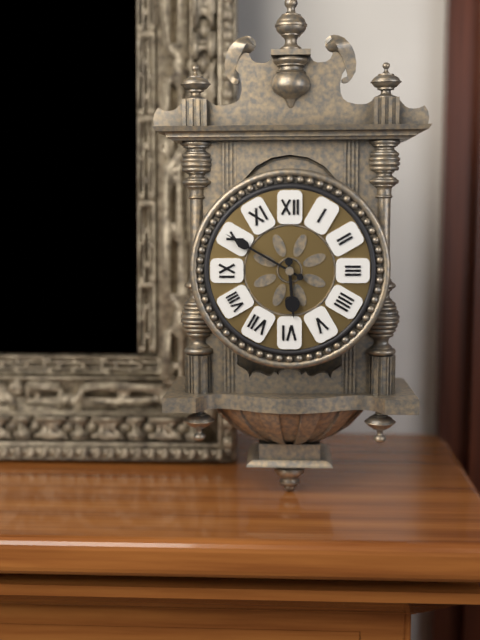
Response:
5.50
